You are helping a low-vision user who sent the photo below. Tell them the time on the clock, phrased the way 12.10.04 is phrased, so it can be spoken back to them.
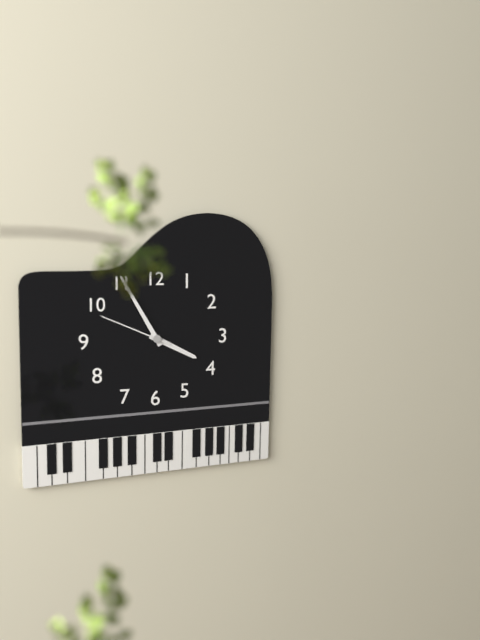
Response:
3.55.49
